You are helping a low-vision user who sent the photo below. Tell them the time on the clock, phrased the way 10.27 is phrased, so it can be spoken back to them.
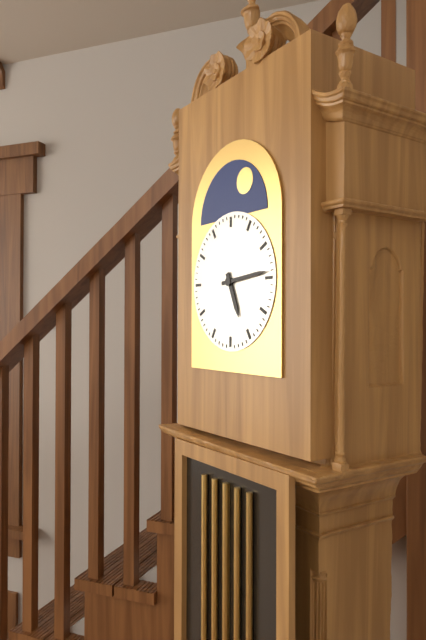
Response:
5.14
